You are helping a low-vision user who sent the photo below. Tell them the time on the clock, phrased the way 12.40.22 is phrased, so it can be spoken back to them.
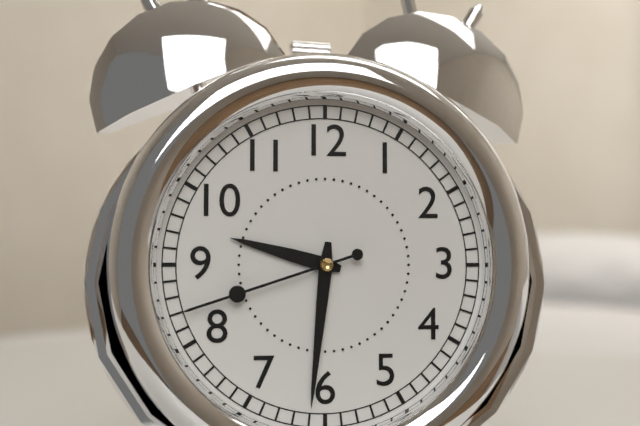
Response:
9.31.42
